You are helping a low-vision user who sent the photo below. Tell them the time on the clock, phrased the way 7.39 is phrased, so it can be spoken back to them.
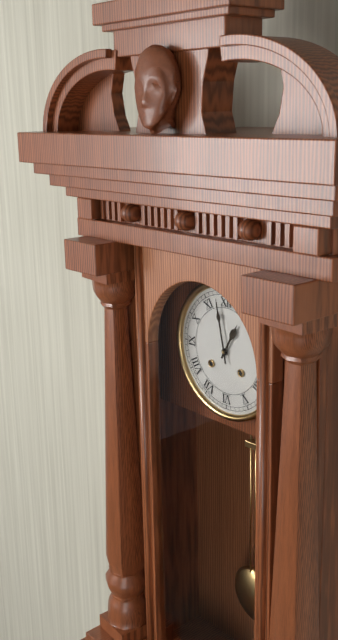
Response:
12.58
